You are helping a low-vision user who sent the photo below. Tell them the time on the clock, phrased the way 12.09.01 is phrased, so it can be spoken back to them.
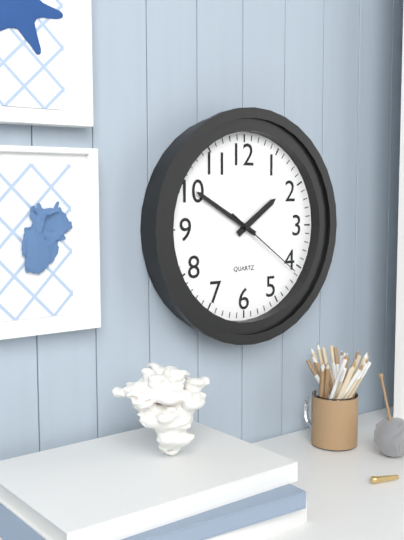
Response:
1.50.21
